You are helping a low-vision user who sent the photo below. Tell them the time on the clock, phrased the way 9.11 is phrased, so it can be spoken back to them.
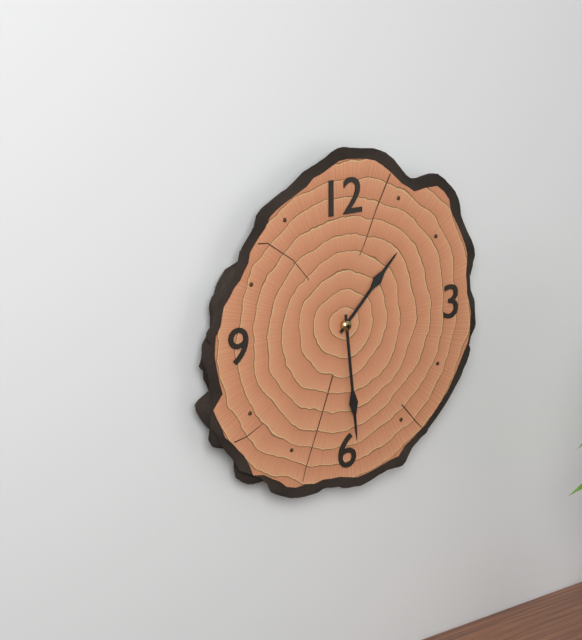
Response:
1.29
